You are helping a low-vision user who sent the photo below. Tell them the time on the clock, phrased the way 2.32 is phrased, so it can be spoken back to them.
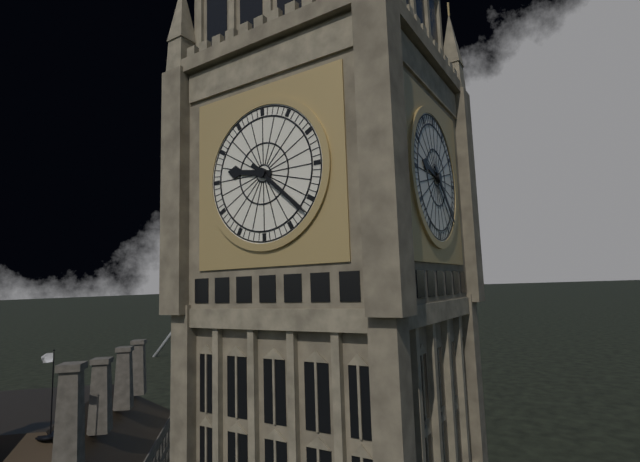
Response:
9.22
